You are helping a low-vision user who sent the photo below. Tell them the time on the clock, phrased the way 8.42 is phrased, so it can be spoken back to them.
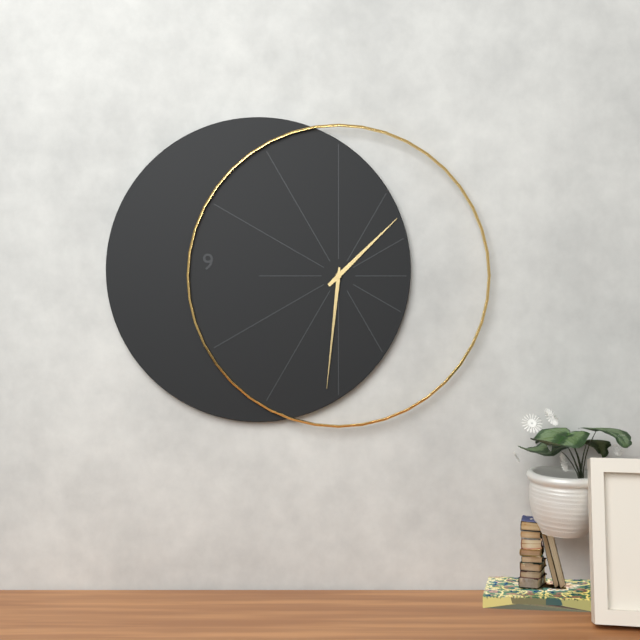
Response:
1.31
